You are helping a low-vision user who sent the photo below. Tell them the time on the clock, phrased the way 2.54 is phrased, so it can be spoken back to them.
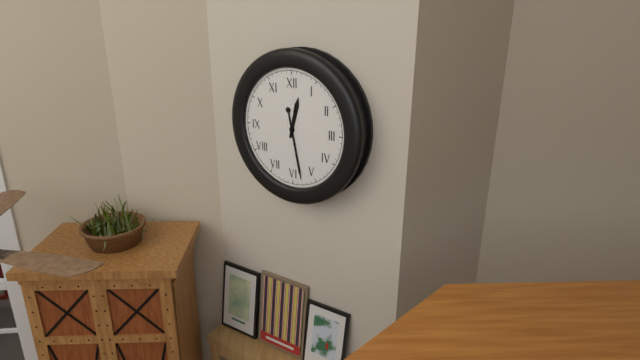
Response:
12.28
